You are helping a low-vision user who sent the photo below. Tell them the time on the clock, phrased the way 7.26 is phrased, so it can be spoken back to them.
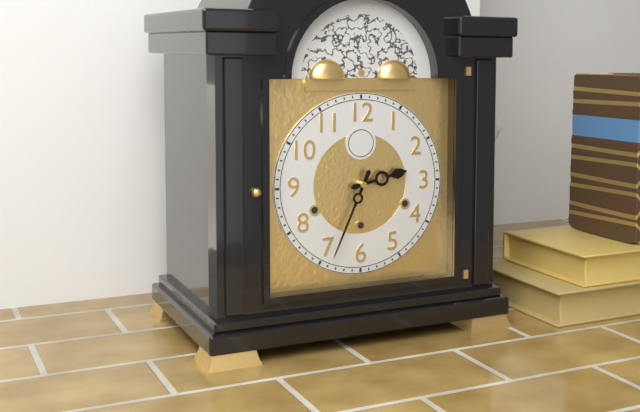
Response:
2.34
